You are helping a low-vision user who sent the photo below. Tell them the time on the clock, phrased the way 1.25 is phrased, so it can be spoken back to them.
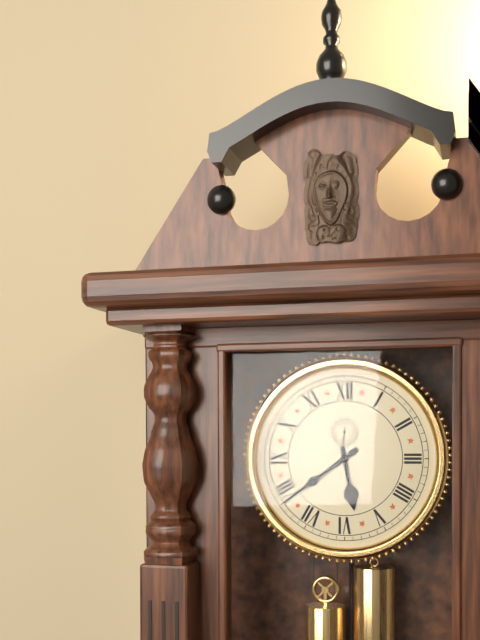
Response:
5.39
